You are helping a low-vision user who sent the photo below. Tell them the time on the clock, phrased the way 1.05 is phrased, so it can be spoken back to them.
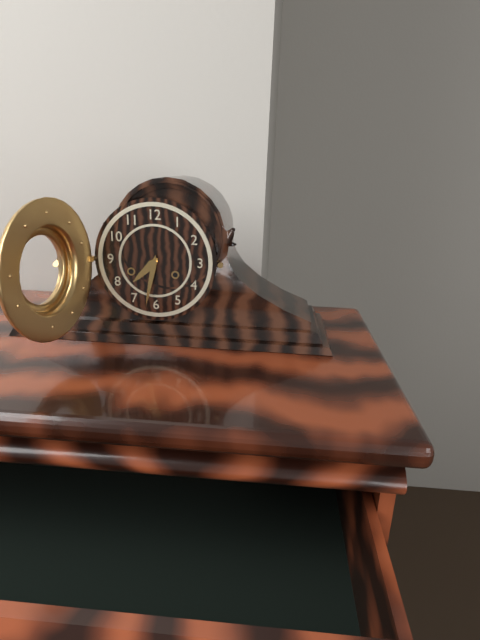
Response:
7.32
